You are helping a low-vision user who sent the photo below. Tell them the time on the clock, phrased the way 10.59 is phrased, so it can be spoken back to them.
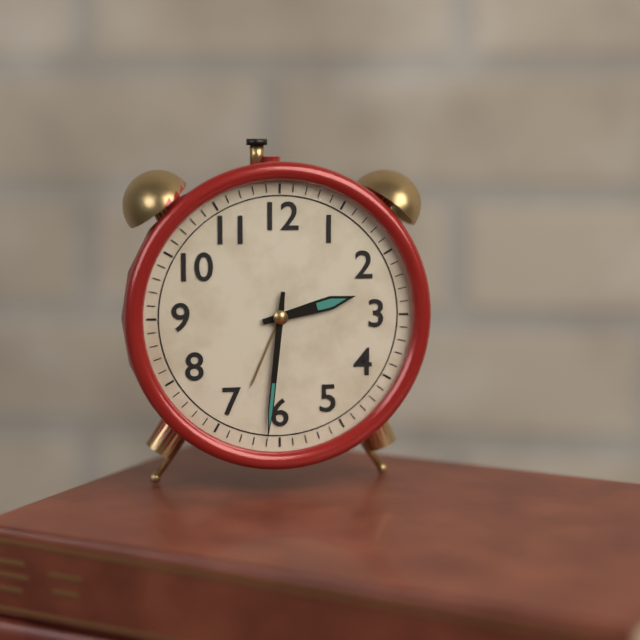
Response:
2.31
